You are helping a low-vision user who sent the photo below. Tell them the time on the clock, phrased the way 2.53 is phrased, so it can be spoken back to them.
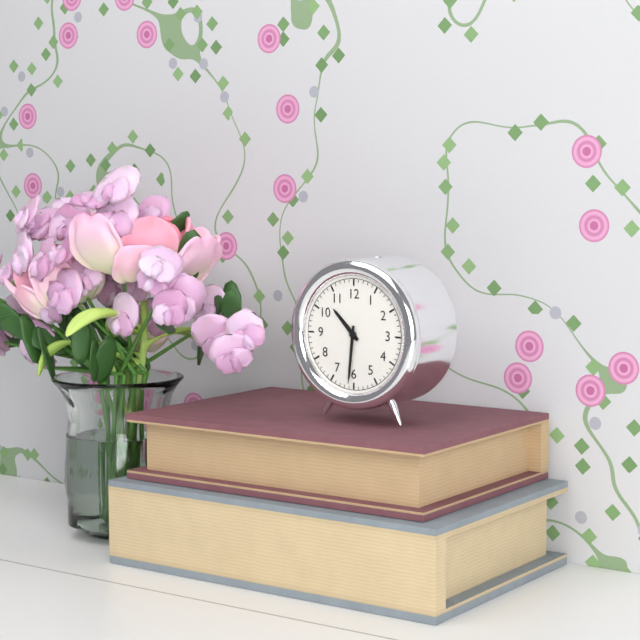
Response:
10.31
